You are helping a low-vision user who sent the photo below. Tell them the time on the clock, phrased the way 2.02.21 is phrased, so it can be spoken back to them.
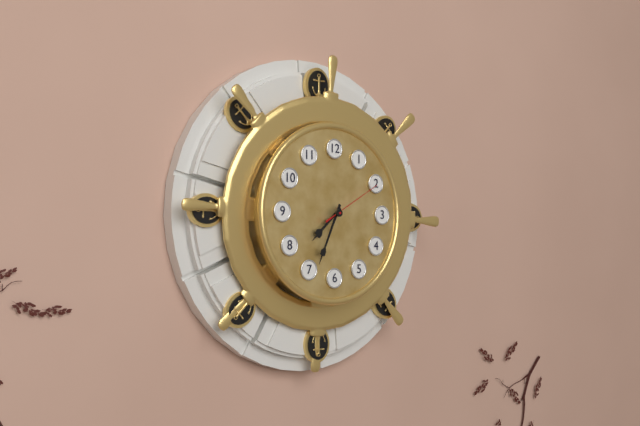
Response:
7.34.10
